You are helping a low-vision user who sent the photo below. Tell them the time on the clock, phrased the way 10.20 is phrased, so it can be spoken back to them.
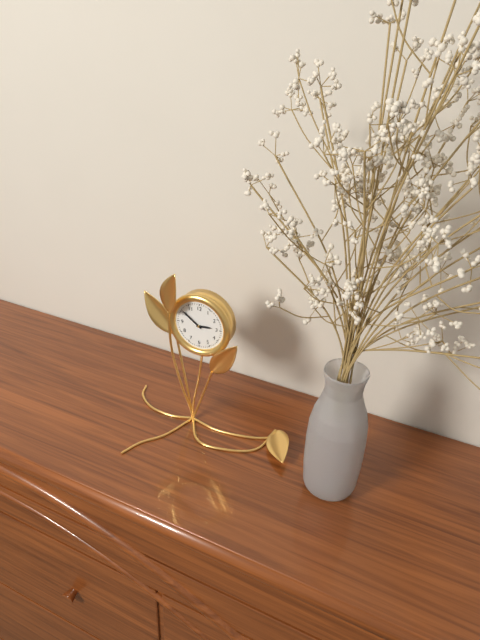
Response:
2.51
